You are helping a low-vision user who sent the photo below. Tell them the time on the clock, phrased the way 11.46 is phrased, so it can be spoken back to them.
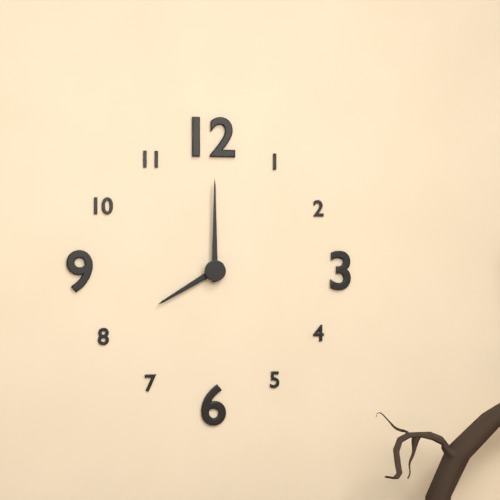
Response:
8.00
